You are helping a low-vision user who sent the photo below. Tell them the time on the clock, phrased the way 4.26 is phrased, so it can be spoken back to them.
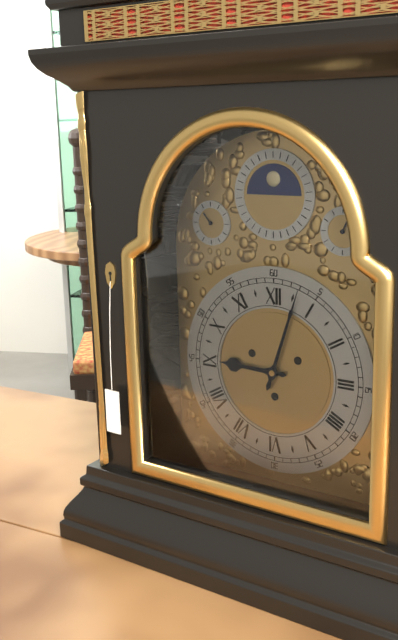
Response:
9.03
